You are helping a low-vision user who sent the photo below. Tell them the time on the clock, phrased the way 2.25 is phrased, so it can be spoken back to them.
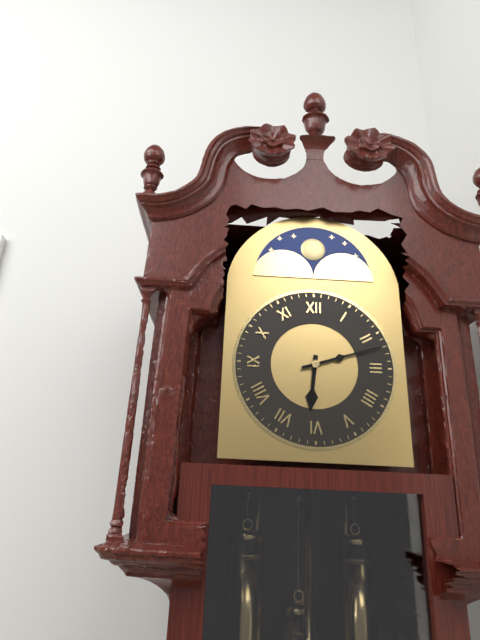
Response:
6.12
